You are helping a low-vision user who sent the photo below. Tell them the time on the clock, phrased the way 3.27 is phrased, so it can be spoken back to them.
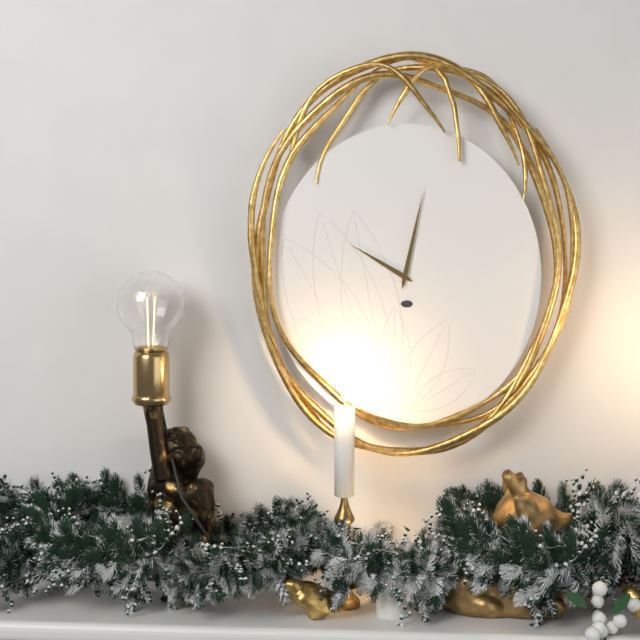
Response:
10.02
